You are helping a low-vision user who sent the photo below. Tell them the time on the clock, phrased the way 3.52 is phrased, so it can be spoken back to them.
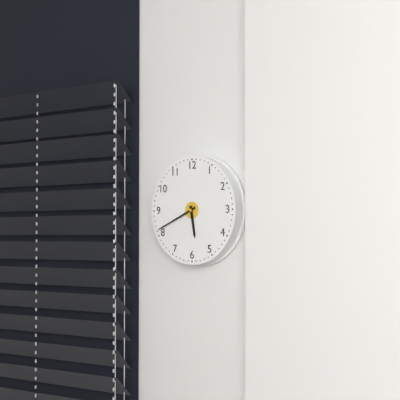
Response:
5.41
